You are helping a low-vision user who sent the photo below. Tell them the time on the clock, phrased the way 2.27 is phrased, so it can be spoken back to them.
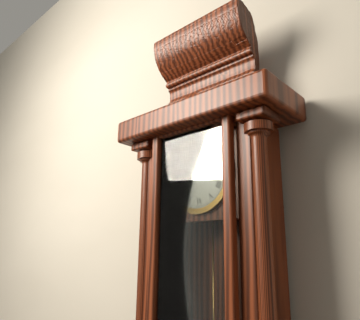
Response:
2.45
